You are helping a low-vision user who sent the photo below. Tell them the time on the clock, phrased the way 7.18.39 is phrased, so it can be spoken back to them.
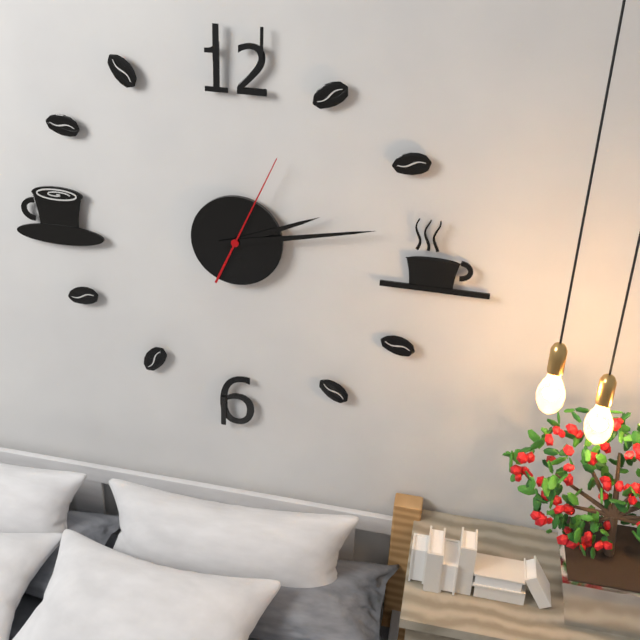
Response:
2.13.04
